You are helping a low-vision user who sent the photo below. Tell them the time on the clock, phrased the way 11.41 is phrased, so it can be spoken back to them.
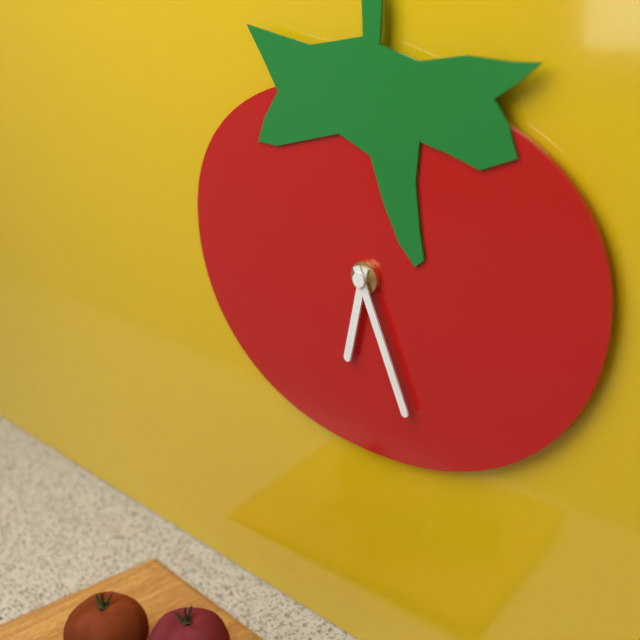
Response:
6.26
